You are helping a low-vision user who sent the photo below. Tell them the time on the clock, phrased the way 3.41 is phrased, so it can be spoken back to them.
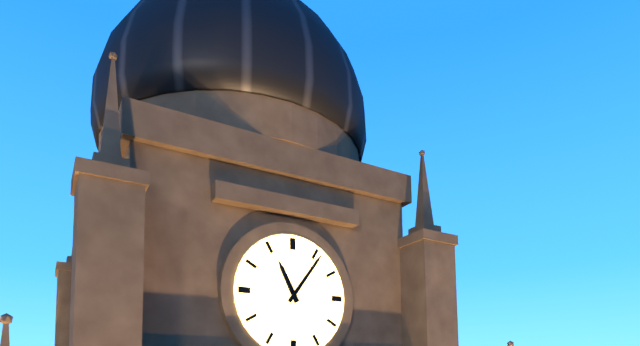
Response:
11.06
